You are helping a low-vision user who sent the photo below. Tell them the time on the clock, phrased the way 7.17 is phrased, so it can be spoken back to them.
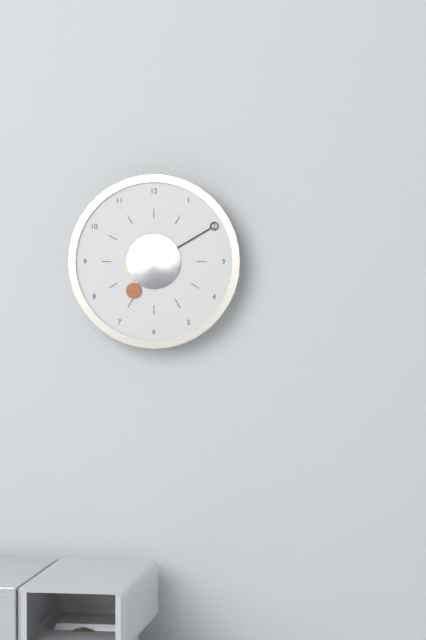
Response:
7.10
